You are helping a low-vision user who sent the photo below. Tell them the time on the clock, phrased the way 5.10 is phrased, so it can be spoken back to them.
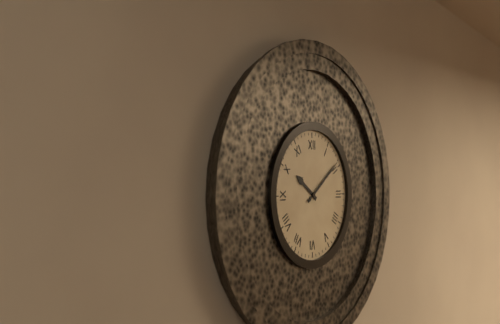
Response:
10.09
